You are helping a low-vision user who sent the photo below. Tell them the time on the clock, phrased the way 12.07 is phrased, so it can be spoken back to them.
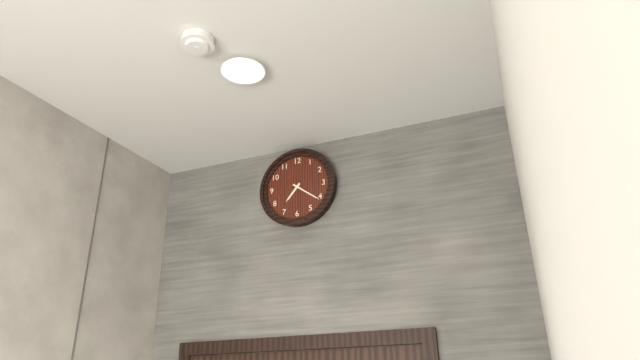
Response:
7.21
